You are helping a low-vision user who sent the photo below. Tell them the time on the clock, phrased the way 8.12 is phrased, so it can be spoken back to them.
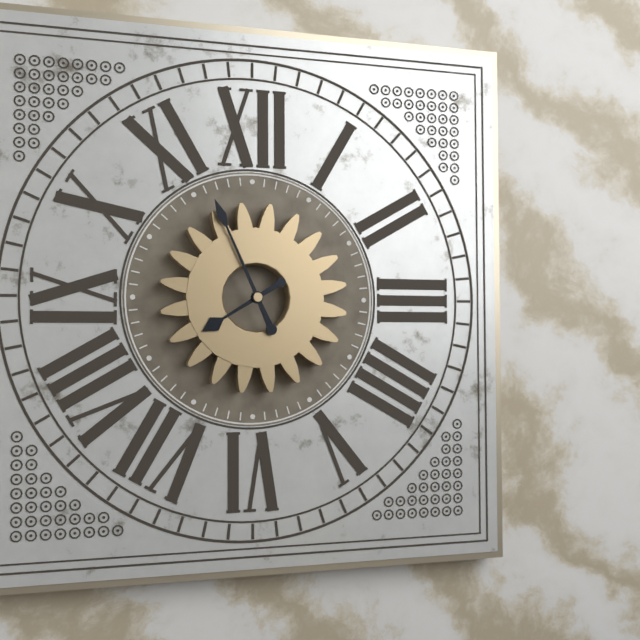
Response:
7.56
